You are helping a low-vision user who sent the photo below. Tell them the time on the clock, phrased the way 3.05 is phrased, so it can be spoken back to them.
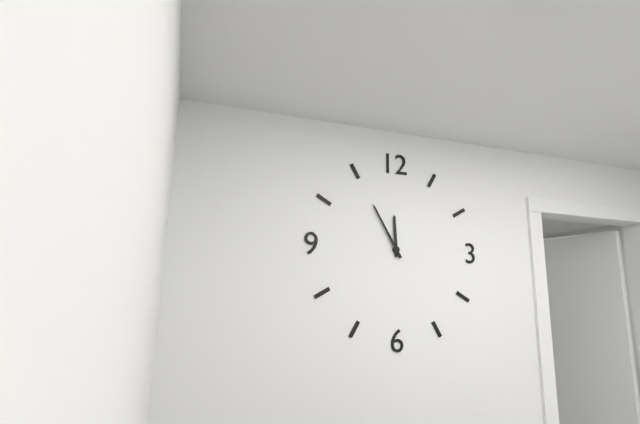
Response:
11.55
